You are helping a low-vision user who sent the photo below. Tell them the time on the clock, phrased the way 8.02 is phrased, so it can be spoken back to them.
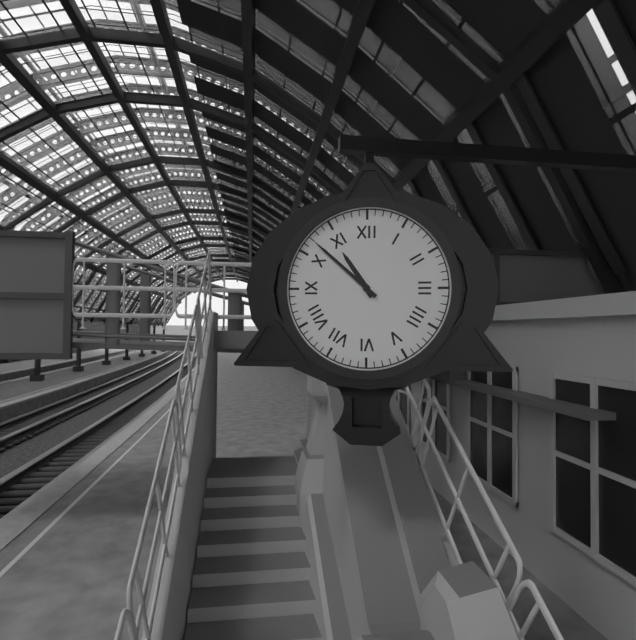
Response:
10.52
